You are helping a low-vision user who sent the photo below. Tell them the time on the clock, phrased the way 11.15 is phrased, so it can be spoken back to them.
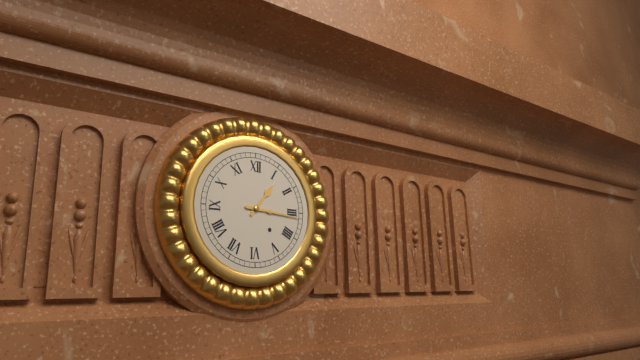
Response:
1.16
